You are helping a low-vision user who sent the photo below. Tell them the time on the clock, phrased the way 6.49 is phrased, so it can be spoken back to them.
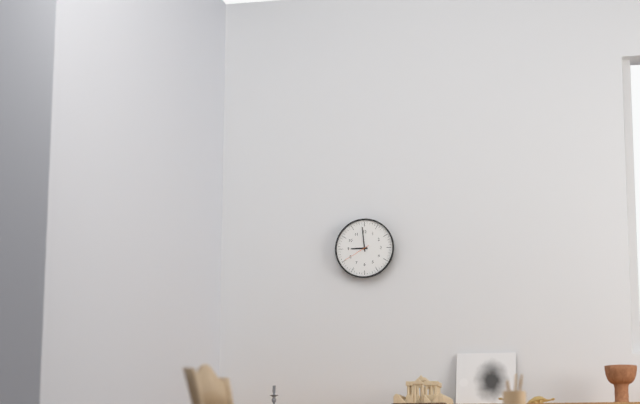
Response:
8.59
